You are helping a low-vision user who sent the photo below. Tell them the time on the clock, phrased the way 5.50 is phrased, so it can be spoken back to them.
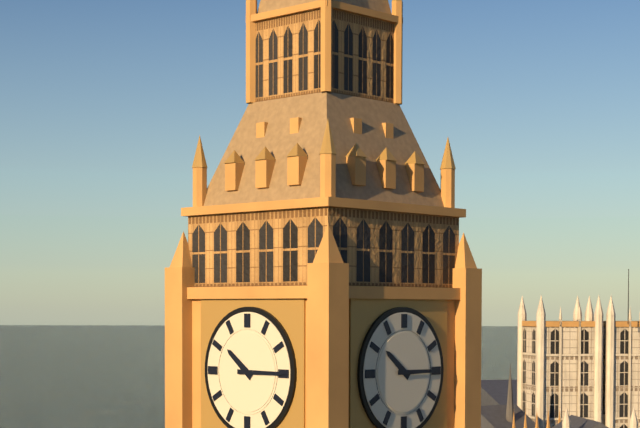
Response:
10.15
